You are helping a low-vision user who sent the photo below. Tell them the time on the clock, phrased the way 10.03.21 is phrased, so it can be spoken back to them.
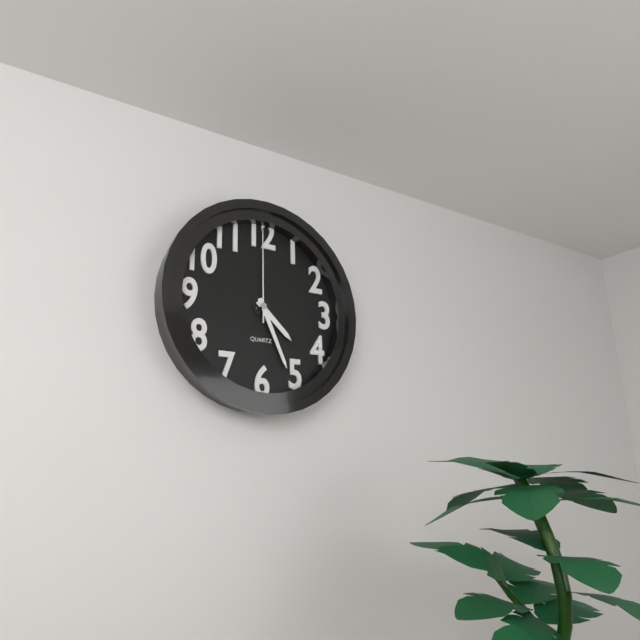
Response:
4.26.00
